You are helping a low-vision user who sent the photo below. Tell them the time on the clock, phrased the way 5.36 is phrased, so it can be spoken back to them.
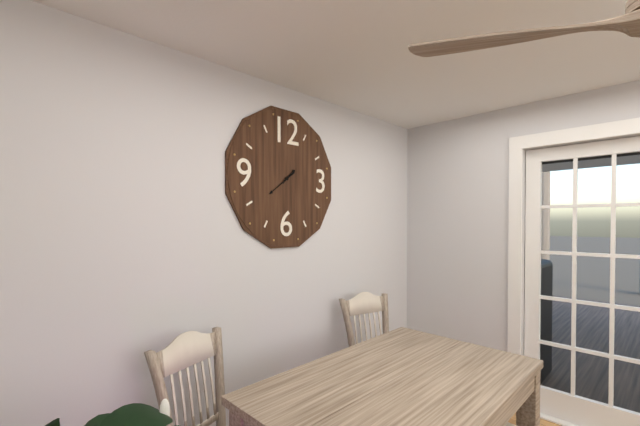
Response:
1.39
